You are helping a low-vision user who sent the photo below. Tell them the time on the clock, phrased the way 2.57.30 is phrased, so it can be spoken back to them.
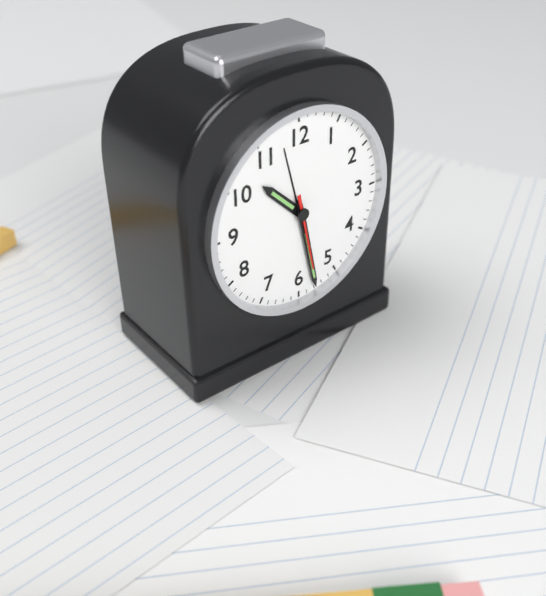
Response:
10.28.28
